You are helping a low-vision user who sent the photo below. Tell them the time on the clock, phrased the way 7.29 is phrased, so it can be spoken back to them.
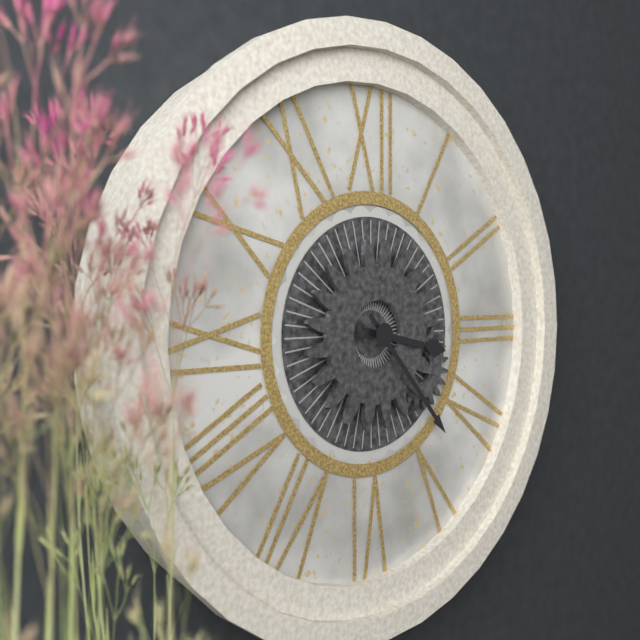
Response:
3.23
